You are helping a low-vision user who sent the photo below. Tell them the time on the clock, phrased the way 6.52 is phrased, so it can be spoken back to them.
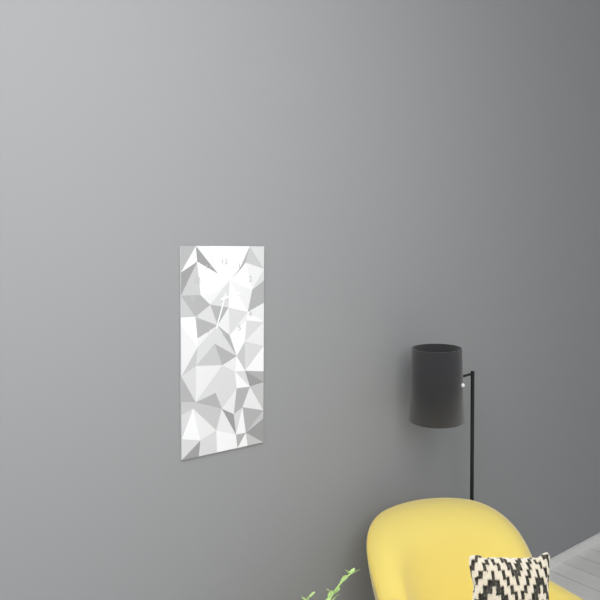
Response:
2.33
